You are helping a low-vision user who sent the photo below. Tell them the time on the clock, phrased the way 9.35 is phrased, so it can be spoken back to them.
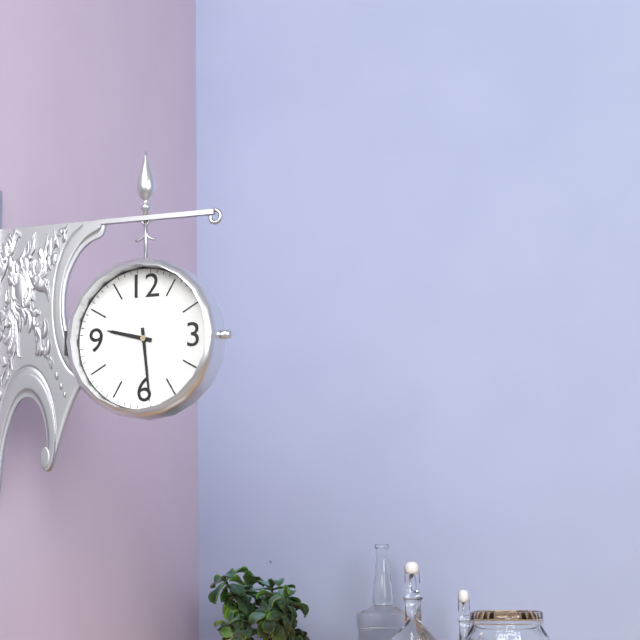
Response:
9.29
